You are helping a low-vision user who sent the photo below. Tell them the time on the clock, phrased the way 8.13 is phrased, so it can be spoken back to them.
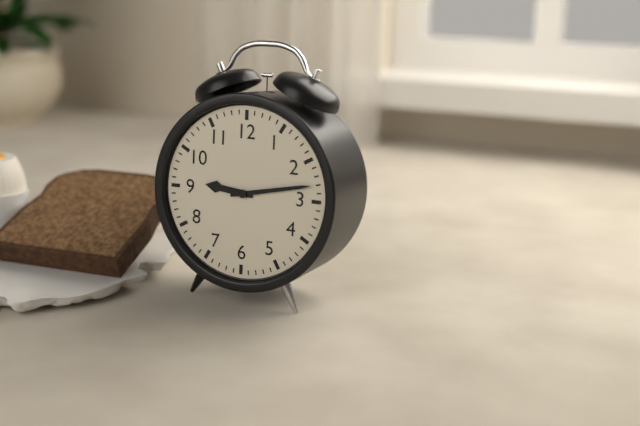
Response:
9.13
